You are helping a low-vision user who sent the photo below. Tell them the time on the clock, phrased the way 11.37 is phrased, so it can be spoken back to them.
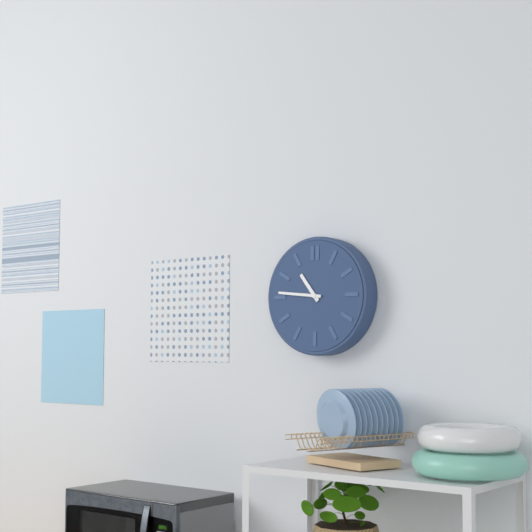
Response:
10.46
